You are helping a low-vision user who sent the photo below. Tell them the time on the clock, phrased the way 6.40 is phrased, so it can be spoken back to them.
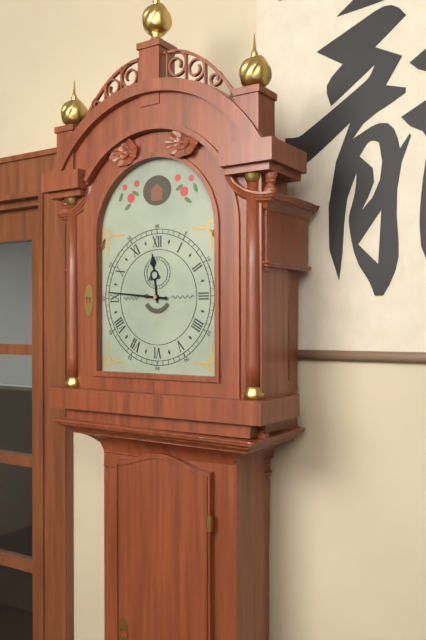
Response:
11.46
